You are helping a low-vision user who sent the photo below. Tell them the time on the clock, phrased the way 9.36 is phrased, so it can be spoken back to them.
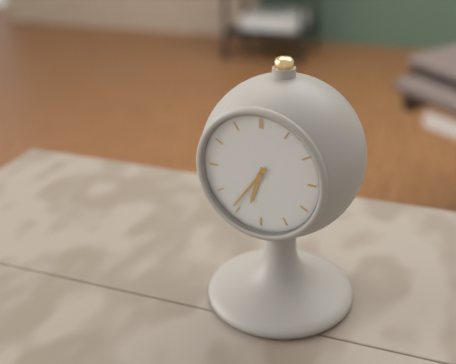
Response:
6.36
